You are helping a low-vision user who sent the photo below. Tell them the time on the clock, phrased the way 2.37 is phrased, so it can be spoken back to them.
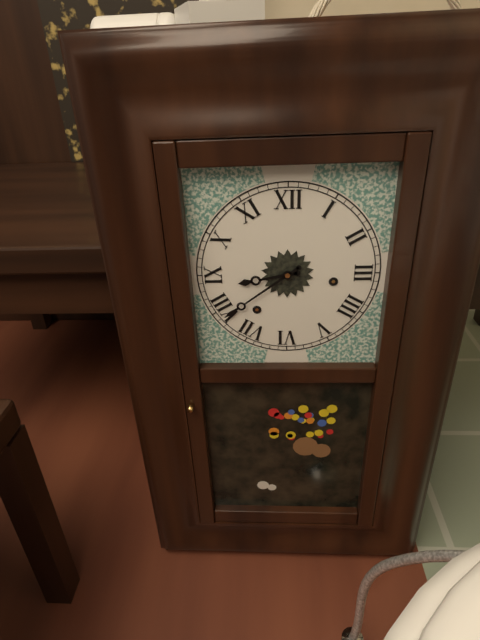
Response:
8.39
